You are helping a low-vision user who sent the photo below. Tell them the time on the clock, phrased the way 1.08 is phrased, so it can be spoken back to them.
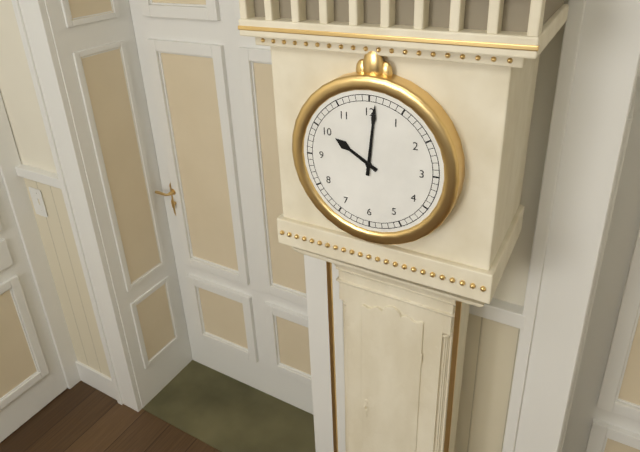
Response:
10.01
